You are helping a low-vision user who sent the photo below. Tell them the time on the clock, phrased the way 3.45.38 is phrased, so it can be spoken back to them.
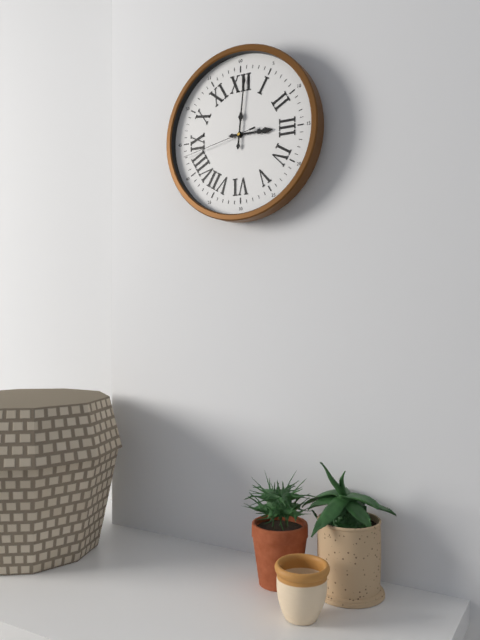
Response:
3.01.43
